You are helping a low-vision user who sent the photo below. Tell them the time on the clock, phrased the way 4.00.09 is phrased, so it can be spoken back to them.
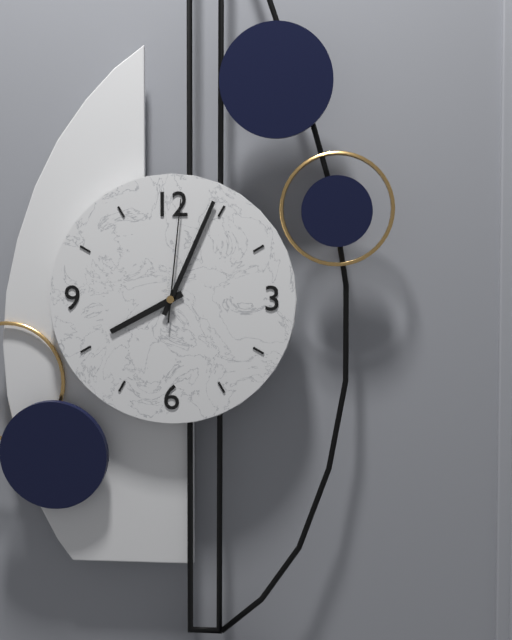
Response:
8.04.01
